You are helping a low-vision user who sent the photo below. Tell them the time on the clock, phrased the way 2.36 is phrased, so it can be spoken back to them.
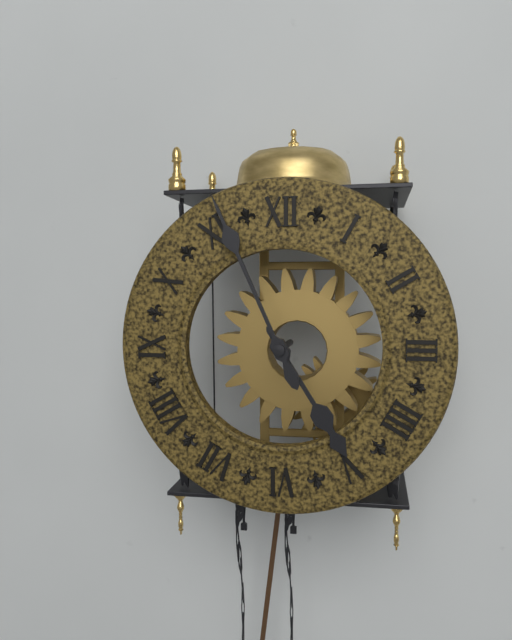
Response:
4.56
